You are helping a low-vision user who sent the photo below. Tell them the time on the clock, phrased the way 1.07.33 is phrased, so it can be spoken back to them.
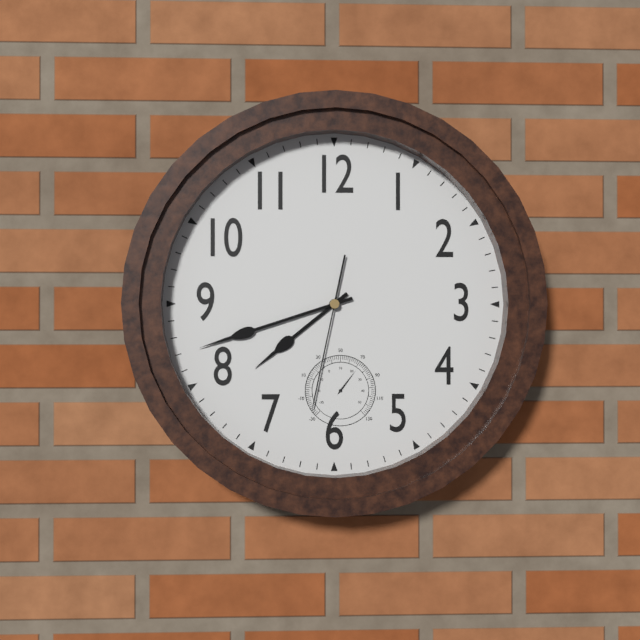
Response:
7.42.32
